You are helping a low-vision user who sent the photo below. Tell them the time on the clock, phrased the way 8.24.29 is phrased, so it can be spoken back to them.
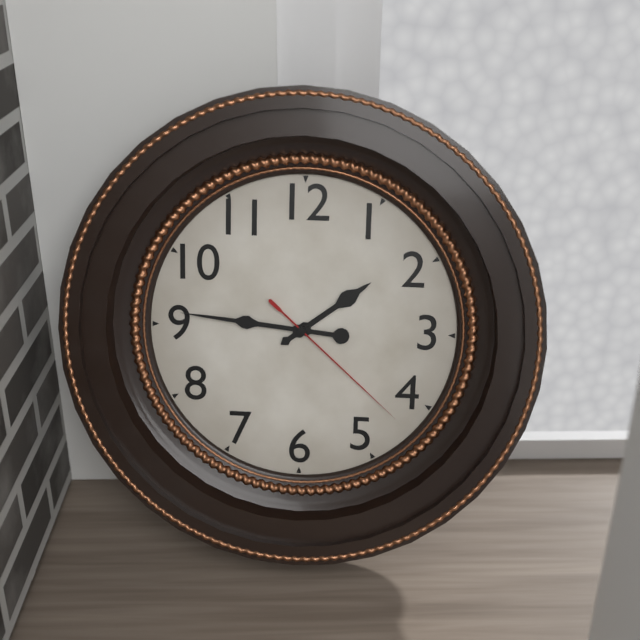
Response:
1.46.22
